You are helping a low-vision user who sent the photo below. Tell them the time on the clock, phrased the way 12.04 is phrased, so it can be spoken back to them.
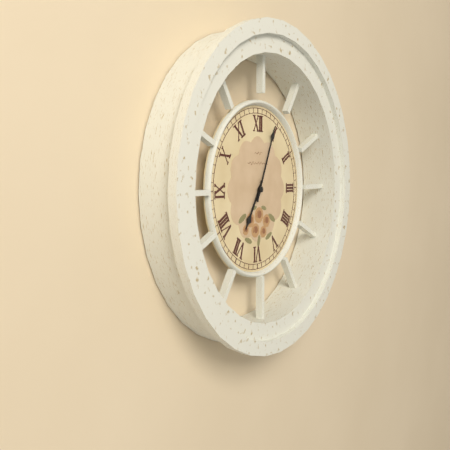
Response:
7.04
